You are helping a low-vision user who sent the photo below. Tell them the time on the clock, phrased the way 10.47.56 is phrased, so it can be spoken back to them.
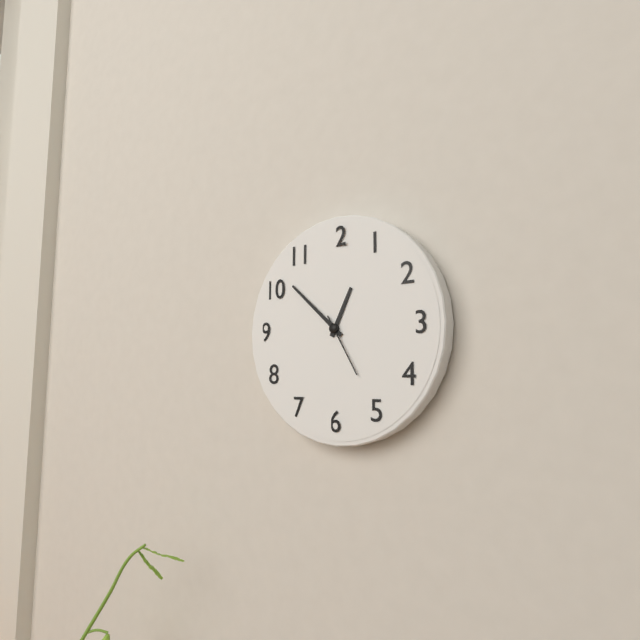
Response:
12.52.25
